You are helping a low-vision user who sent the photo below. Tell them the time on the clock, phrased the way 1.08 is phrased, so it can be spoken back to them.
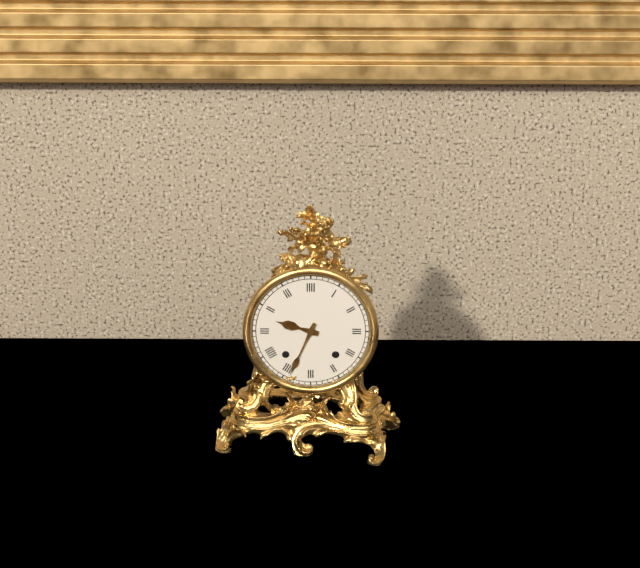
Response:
9.34
